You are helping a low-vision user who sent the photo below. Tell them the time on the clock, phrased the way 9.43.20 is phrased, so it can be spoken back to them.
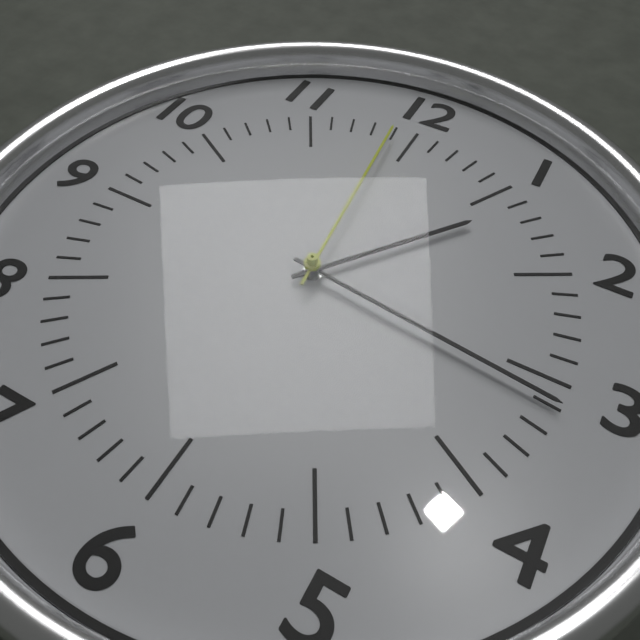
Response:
1.16.59
